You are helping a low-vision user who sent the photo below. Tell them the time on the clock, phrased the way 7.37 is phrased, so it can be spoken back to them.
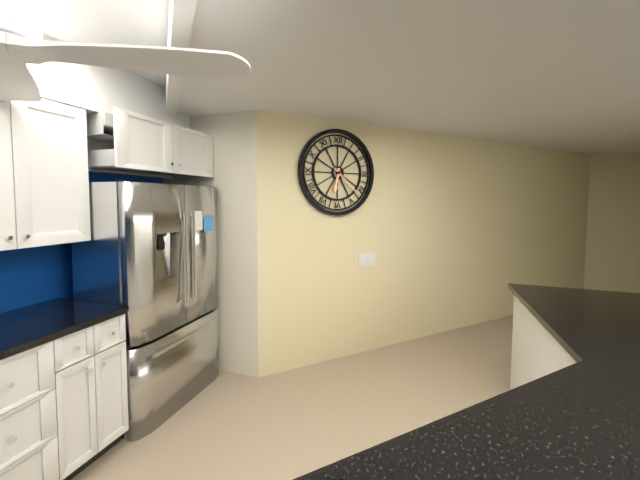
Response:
6.22
